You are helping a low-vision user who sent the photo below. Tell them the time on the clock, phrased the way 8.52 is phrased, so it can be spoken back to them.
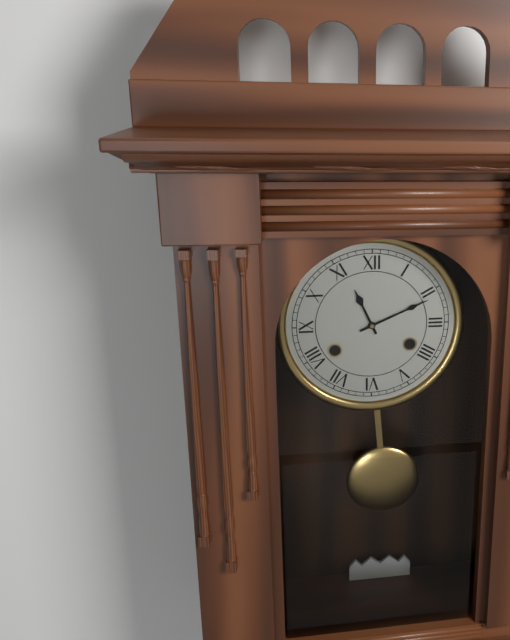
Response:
11.11
